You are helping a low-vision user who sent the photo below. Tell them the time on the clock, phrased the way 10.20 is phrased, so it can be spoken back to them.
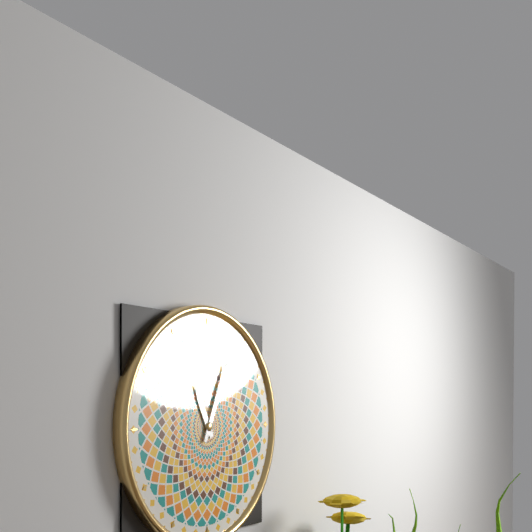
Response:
11.04
